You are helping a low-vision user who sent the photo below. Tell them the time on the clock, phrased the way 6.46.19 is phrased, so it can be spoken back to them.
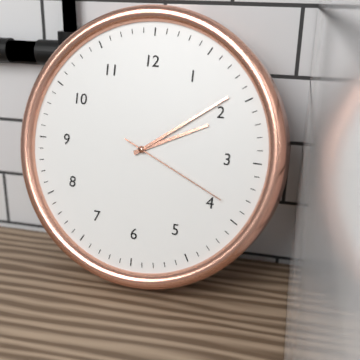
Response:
2.09.19
